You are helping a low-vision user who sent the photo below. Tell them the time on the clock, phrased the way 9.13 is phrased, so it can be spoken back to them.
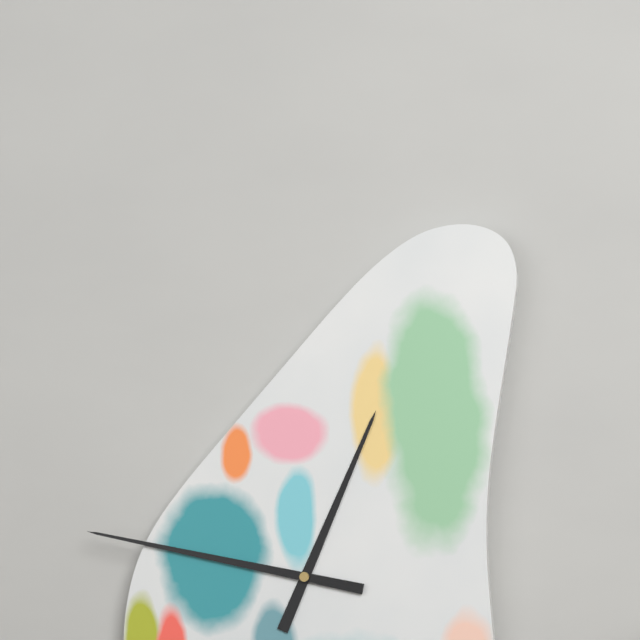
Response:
12.47
